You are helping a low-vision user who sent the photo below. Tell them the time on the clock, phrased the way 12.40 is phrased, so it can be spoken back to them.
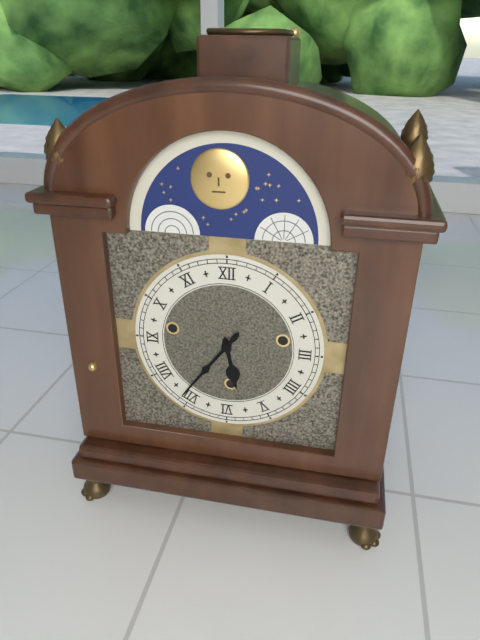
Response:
5.36
